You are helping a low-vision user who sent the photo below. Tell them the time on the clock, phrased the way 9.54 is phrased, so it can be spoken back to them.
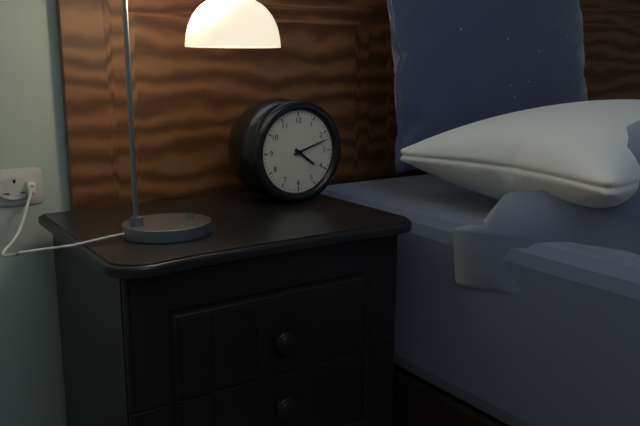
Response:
4.12
